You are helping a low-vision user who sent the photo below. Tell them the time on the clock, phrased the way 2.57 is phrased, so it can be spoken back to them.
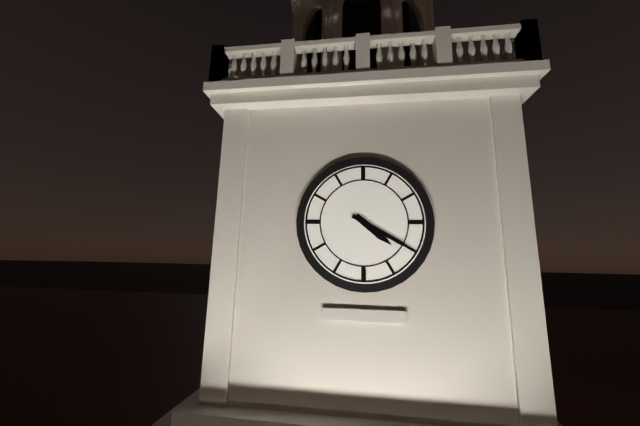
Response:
4.20
